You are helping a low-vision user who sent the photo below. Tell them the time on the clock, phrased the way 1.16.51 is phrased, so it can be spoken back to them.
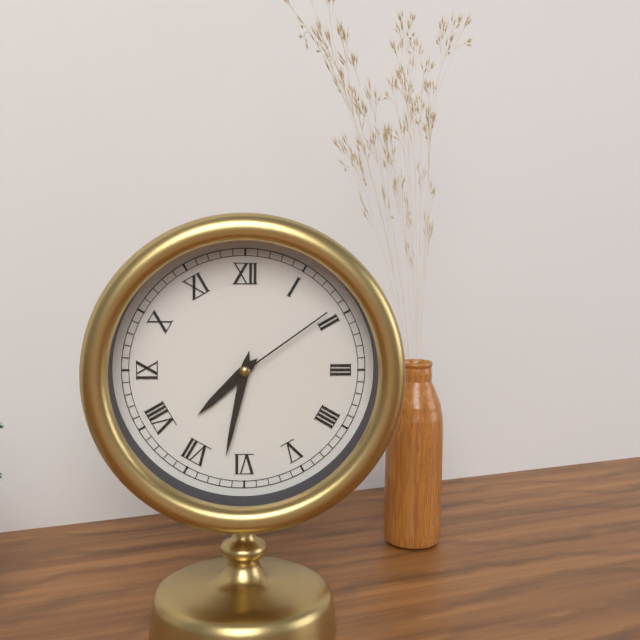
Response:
7.32.09
